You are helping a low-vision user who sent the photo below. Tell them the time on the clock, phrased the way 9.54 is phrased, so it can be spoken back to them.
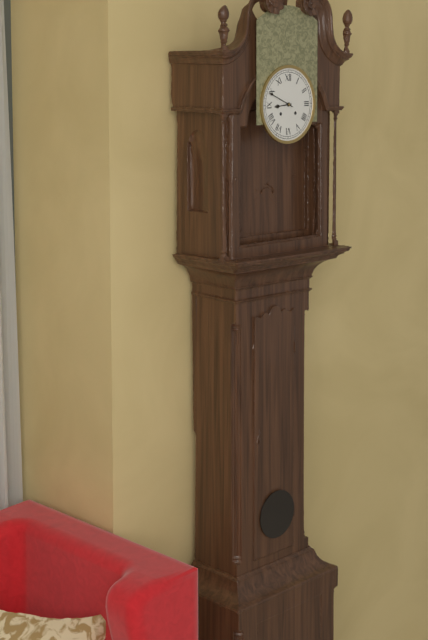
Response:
8.49
